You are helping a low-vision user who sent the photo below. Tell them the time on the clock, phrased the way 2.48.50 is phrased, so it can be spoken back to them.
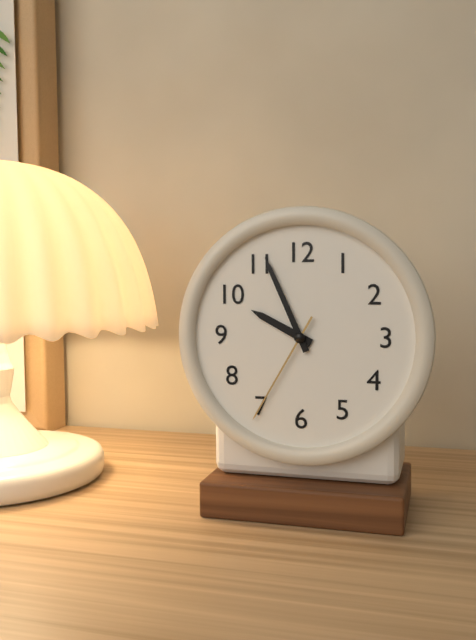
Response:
9.56.35
